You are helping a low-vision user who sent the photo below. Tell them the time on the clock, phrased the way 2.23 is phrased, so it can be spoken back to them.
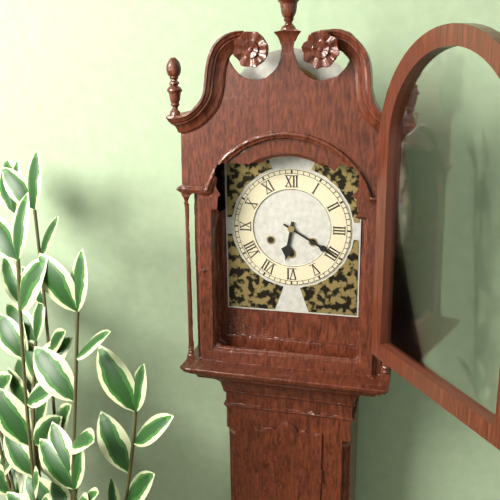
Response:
6.20
